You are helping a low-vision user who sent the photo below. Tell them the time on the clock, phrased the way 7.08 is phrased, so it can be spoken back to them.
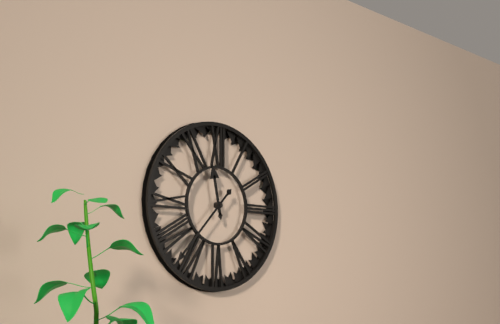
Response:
11.37
